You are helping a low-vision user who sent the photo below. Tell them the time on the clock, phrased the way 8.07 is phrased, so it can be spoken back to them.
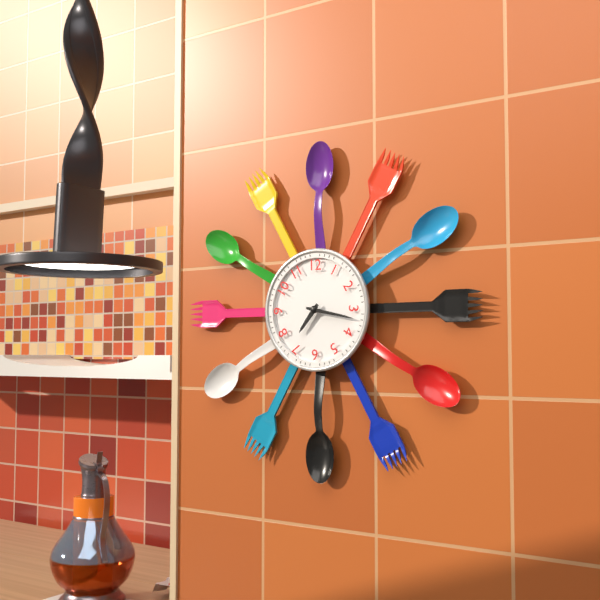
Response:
7.17
